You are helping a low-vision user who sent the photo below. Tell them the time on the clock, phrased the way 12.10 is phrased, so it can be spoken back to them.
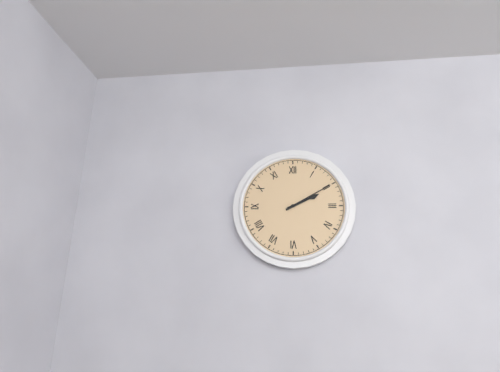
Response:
2.10
